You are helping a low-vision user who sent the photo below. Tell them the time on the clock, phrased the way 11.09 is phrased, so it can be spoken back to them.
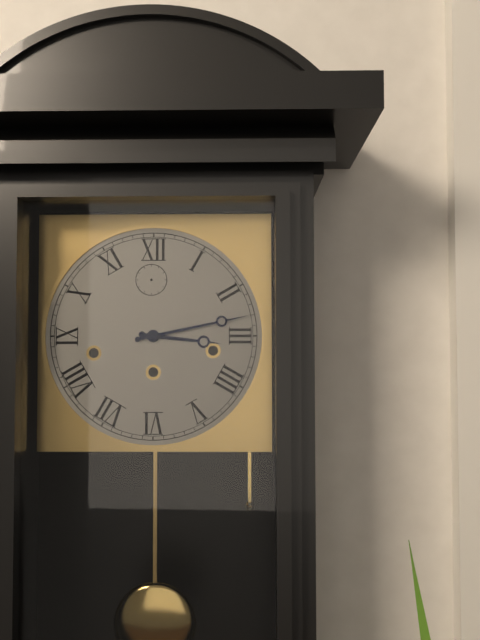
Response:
3.13
